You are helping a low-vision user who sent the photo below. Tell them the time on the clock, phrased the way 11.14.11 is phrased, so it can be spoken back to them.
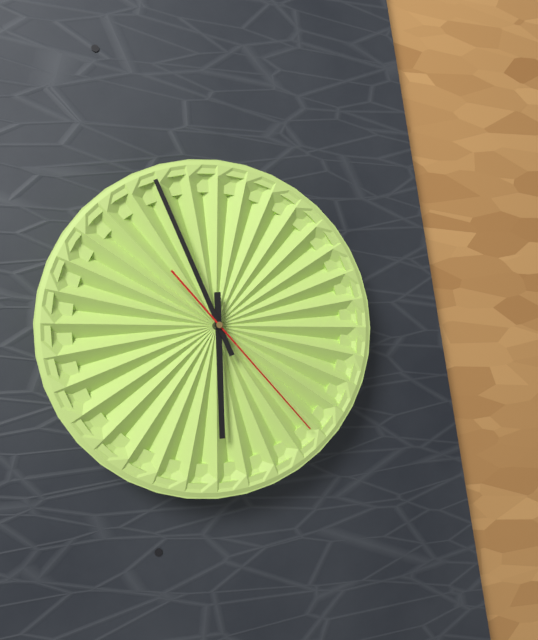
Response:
5.56.23
